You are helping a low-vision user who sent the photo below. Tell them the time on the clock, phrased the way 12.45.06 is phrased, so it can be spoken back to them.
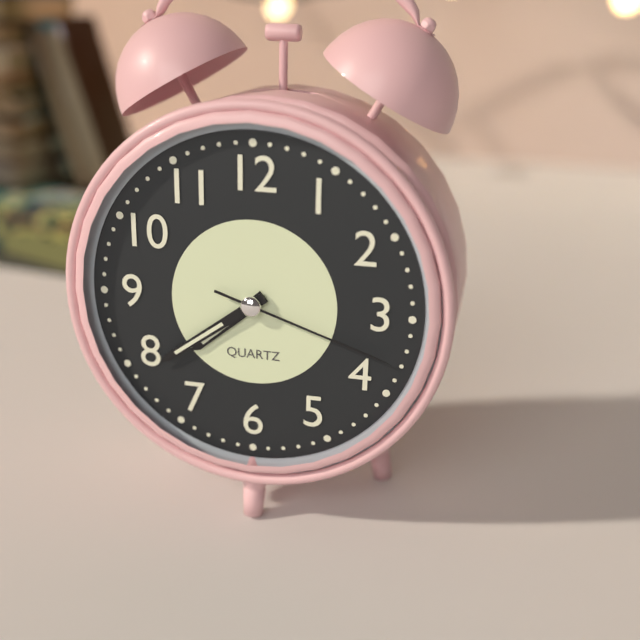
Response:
7.39.18
